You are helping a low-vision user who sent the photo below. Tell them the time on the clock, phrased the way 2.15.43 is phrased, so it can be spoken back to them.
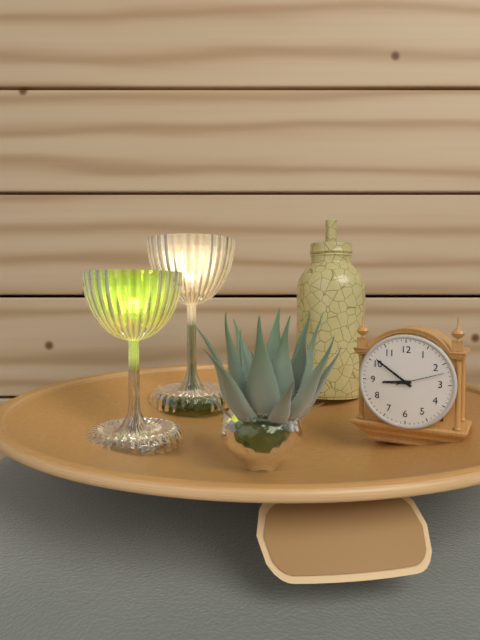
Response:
8.51.12
